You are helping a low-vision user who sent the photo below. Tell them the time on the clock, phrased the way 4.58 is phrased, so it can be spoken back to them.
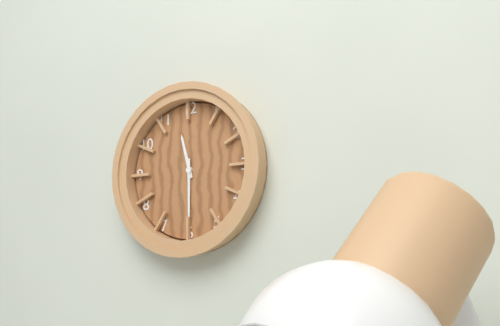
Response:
11.30
